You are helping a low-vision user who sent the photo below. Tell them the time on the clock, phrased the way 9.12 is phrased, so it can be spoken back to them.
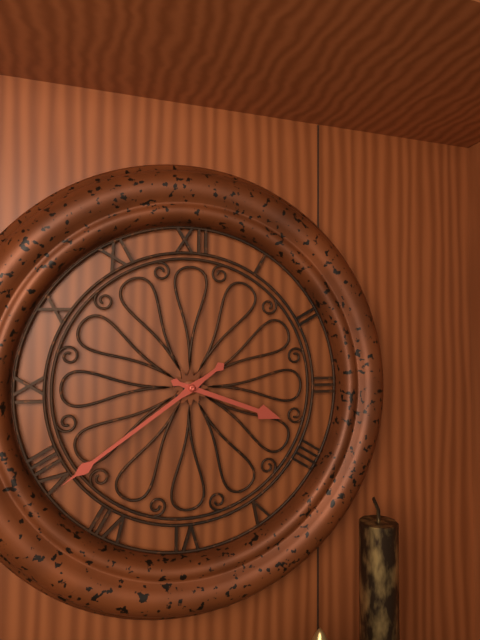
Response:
3.39
